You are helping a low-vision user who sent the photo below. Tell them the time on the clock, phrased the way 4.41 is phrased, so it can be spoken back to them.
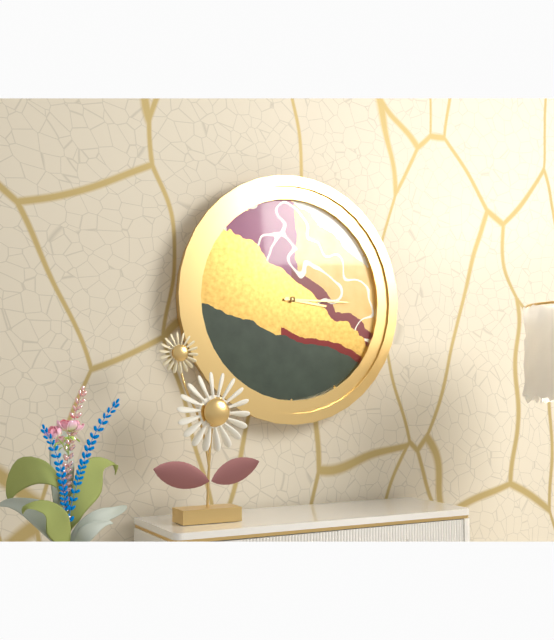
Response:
3.15
